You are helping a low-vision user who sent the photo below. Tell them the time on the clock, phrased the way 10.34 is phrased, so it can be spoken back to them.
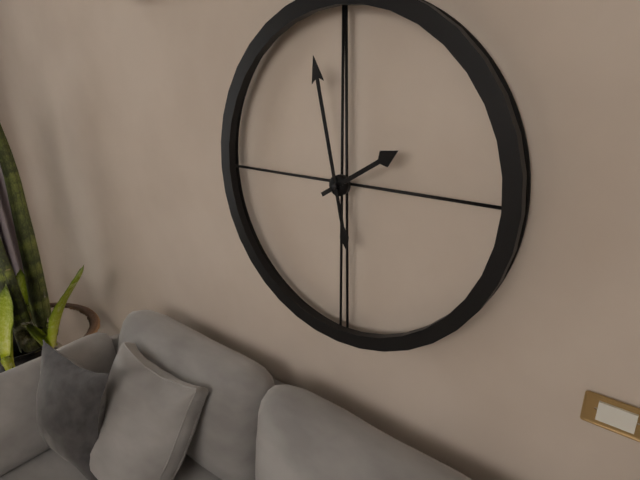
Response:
1.58
